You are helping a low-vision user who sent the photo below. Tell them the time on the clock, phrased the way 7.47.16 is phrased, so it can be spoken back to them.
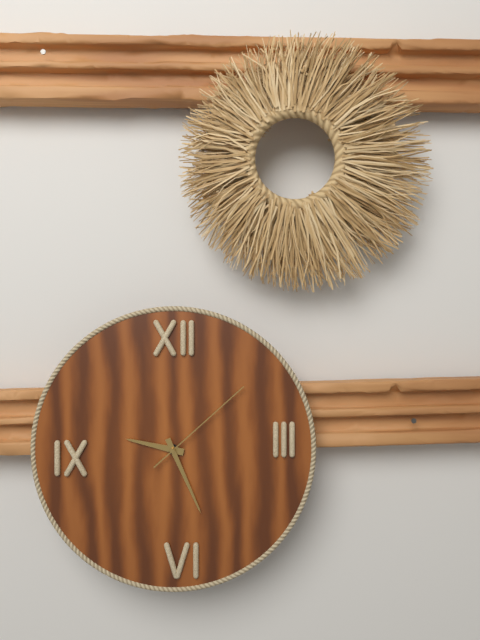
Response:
9.26.08
